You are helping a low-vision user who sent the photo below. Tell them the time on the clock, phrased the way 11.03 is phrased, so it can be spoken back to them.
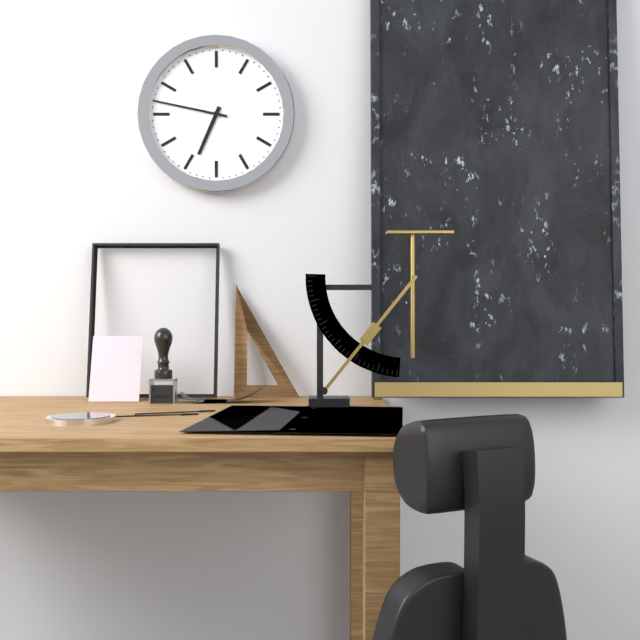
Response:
6.47
